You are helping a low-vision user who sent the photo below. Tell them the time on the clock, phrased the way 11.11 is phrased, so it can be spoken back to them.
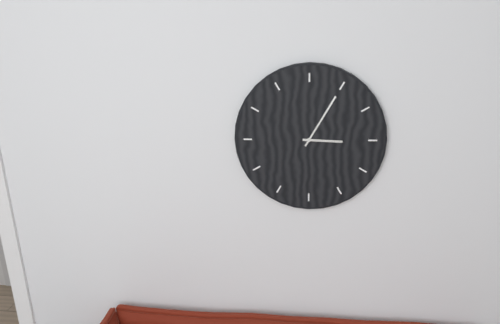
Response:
3.05
